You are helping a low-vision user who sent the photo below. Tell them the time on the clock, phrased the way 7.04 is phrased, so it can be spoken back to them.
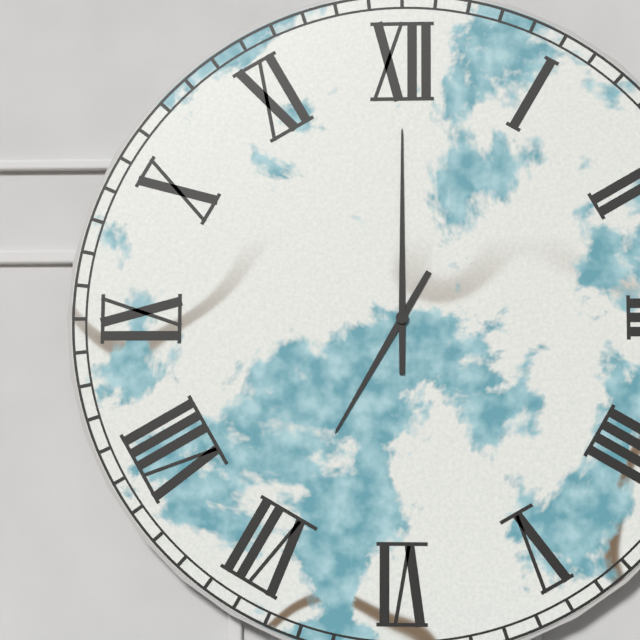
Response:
7.00
